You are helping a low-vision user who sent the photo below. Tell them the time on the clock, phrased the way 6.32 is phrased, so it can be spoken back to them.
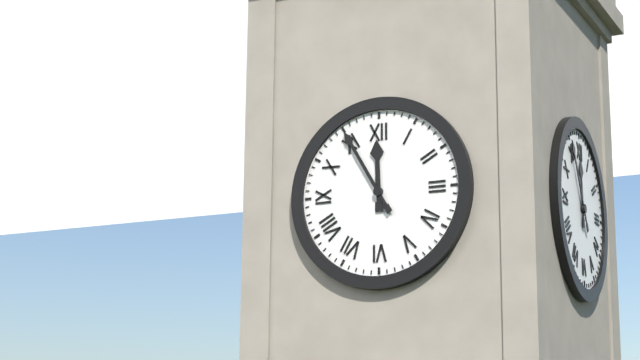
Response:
11.55
